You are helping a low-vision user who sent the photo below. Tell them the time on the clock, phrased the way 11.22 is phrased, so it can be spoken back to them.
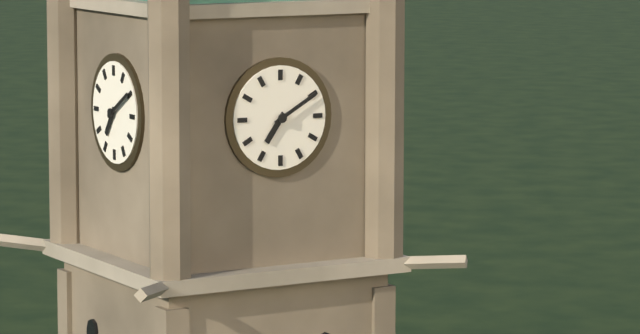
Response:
7.10
